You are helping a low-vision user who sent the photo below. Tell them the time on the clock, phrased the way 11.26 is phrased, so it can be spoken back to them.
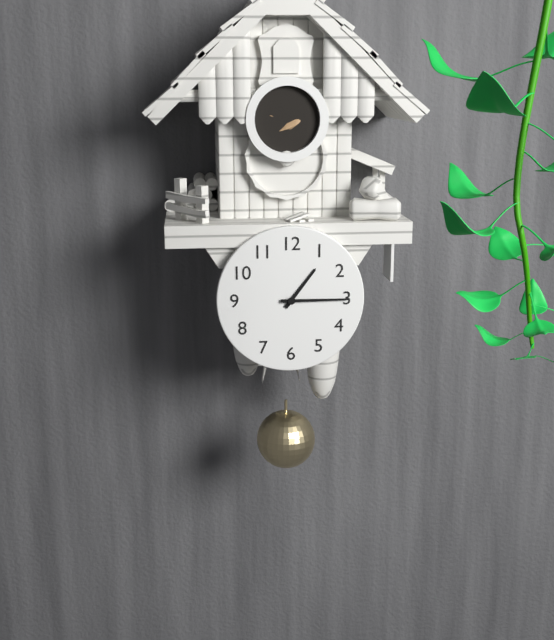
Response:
1.15
